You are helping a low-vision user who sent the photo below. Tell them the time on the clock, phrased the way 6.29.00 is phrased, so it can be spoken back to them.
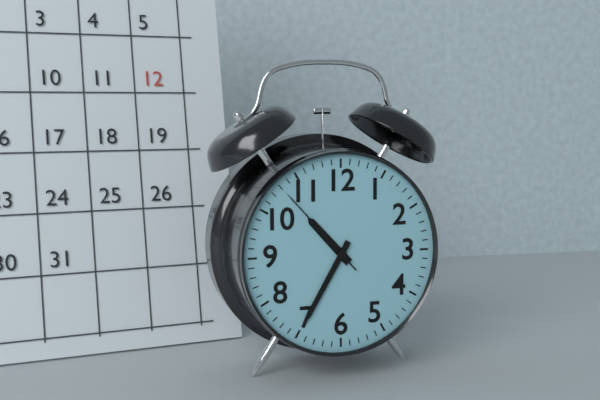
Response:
10.35.53
